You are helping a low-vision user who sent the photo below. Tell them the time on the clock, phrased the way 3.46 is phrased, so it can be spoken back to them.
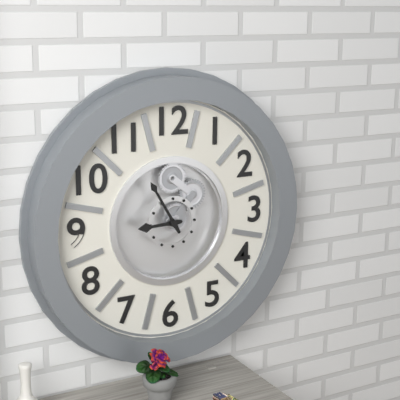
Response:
8.55
